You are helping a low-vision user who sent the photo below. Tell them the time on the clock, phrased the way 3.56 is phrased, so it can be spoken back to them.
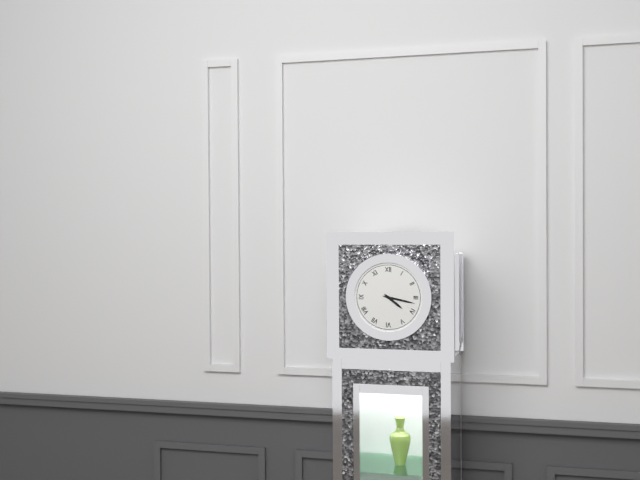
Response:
4.17
